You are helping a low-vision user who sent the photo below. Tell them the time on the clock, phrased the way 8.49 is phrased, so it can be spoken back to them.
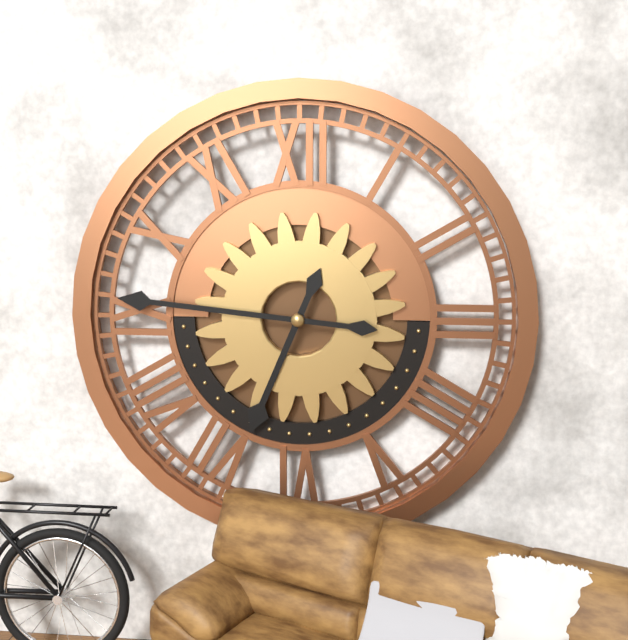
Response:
6.46
